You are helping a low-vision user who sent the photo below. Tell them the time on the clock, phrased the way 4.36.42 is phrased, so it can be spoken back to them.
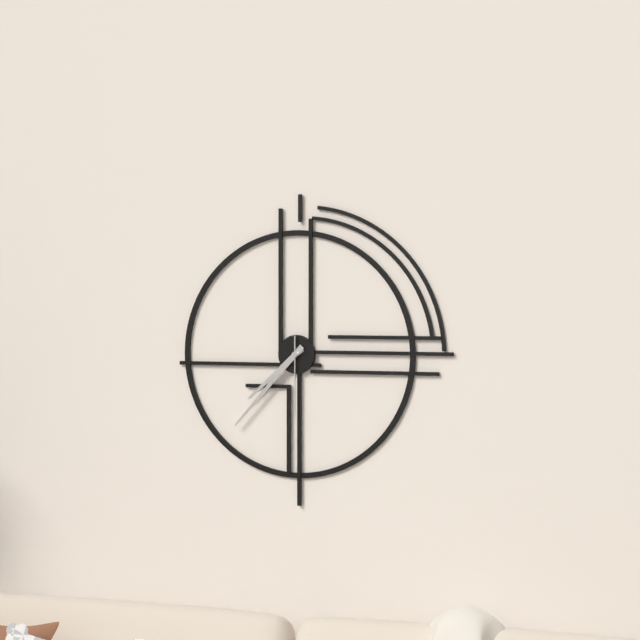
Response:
7.37.30
